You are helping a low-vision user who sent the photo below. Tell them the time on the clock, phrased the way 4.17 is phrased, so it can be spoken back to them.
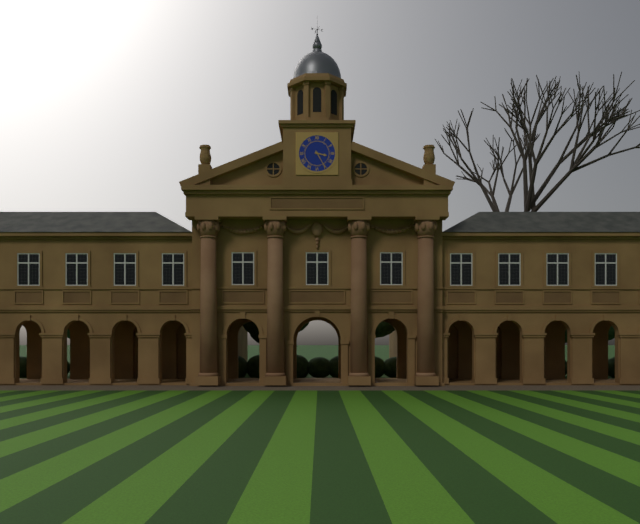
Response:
3.25
